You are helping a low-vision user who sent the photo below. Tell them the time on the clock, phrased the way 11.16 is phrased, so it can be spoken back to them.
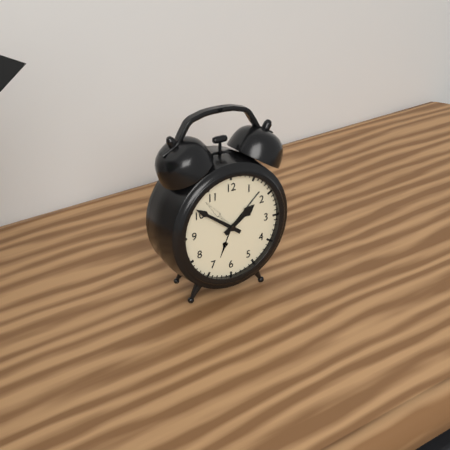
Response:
1.51
